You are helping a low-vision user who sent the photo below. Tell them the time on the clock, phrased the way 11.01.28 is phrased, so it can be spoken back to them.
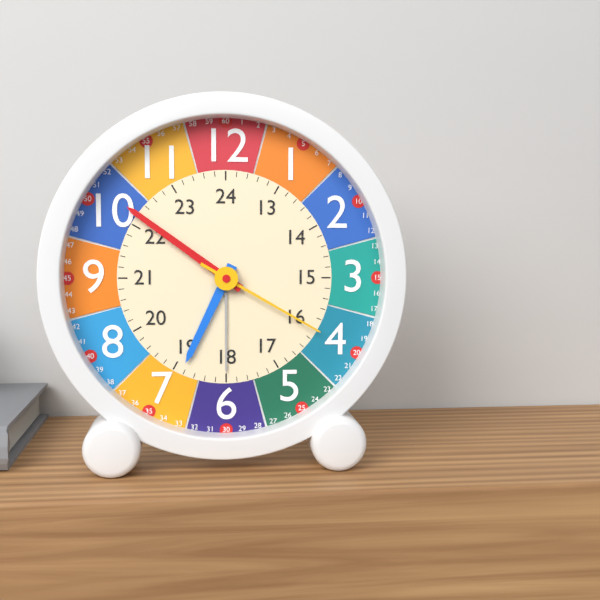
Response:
6.51.20
